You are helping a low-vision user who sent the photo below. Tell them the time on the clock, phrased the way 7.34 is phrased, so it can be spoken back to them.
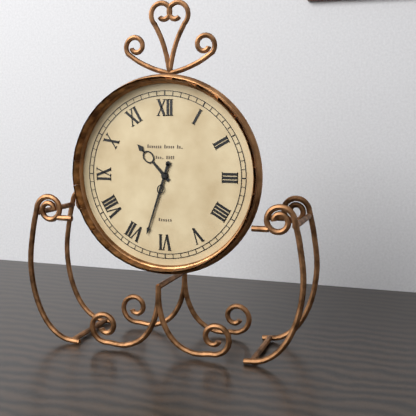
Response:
10.33
